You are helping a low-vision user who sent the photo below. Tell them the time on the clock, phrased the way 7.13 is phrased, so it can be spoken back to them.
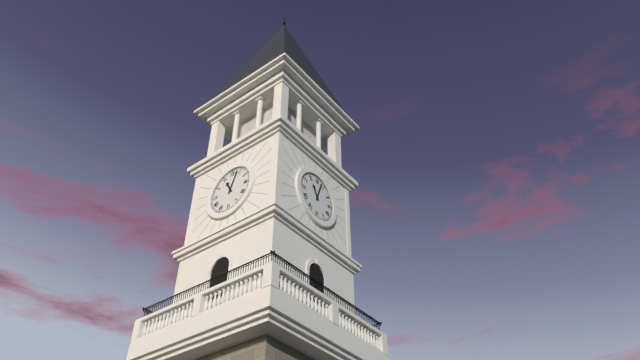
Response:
11.03
